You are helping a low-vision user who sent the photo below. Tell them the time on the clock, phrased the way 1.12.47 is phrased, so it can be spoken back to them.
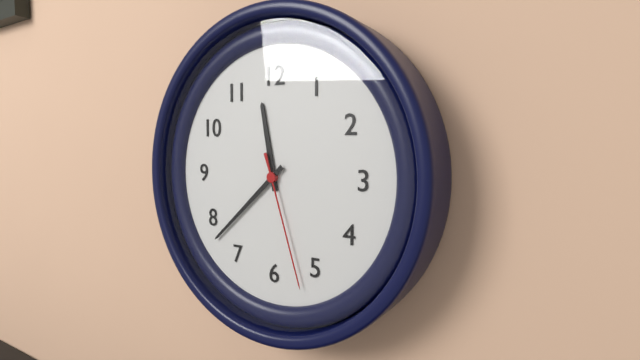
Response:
11.38.27
